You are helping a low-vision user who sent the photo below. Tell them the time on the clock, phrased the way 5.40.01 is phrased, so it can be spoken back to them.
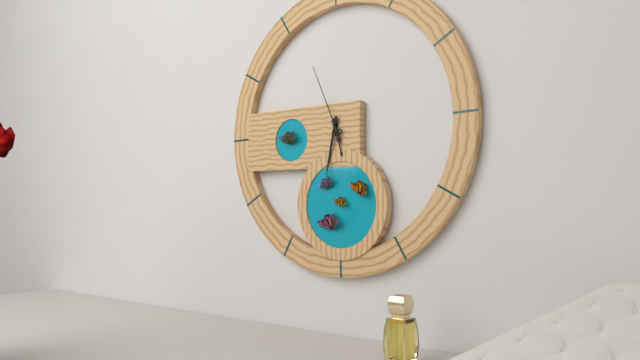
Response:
5.32.56
